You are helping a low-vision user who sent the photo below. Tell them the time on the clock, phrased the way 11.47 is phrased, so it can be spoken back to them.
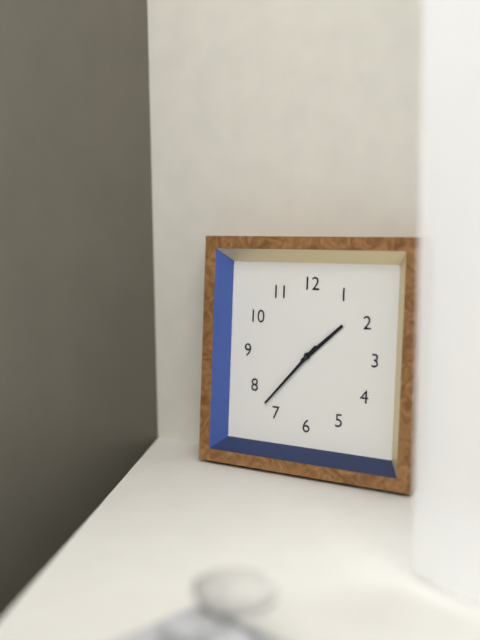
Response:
1.37
